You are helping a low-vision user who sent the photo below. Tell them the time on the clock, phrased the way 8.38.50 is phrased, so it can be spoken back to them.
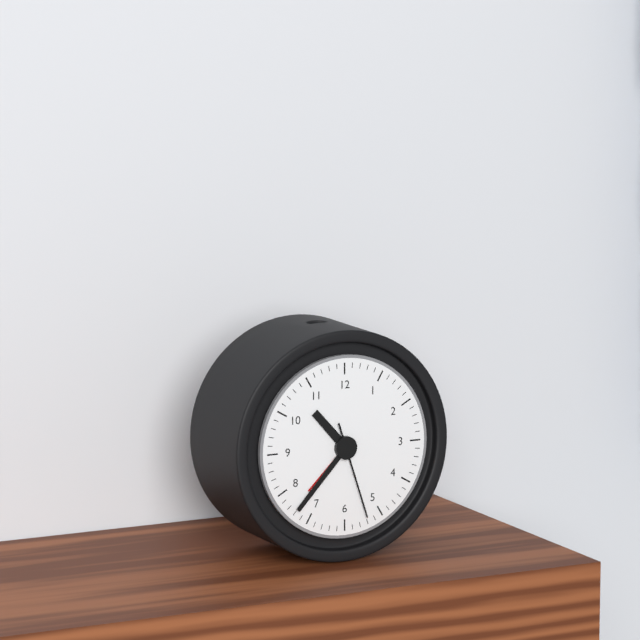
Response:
10.37.27
